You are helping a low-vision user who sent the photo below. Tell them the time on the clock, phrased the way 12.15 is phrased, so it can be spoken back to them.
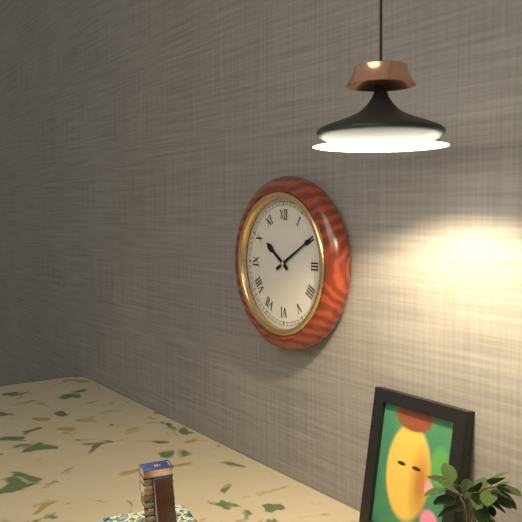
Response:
10.10
